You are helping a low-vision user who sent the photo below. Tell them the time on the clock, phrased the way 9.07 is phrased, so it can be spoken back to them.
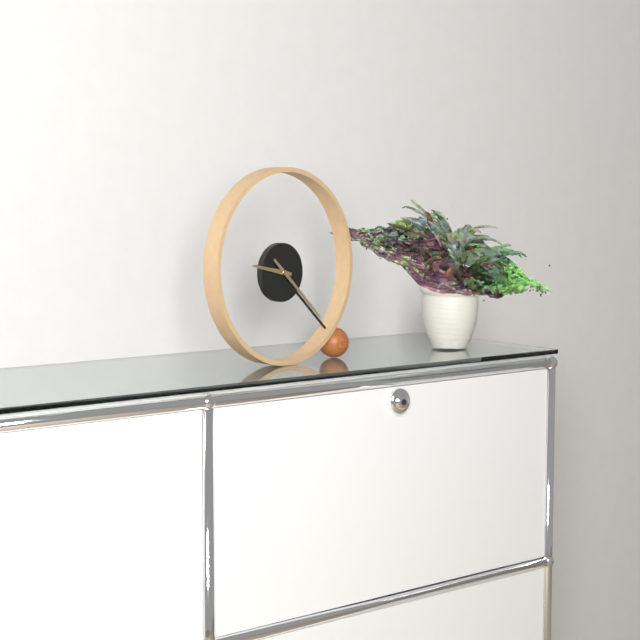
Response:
9.22
